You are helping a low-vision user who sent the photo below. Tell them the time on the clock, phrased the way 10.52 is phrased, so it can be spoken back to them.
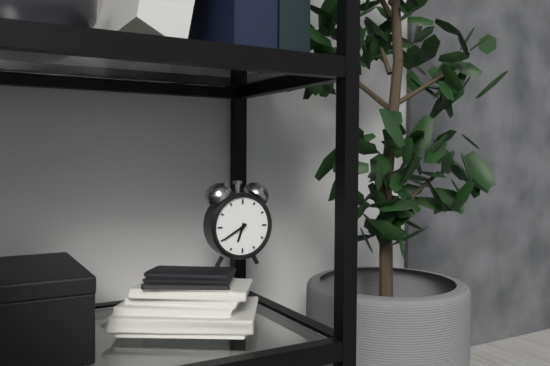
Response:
6.40
